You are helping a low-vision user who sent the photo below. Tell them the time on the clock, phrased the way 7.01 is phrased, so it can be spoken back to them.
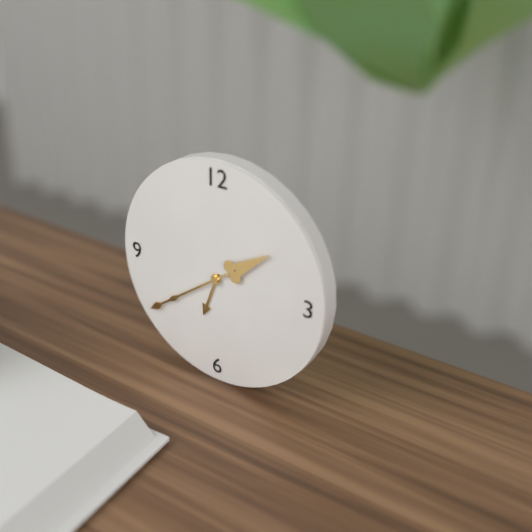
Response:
6.39
